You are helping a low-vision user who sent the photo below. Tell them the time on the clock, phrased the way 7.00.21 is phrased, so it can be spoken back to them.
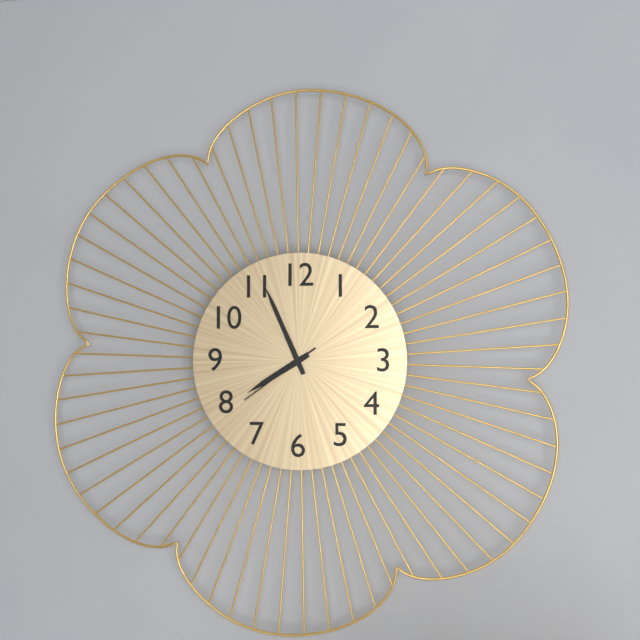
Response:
7.56.39
